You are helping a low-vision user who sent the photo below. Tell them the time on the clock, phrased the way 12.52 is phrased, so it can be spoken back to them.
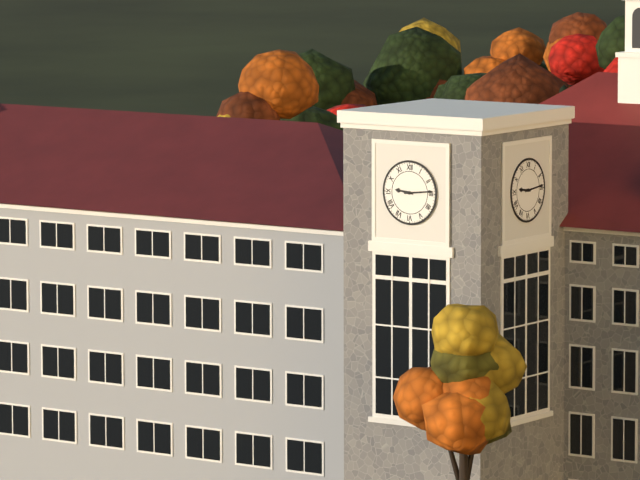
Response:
9.14
